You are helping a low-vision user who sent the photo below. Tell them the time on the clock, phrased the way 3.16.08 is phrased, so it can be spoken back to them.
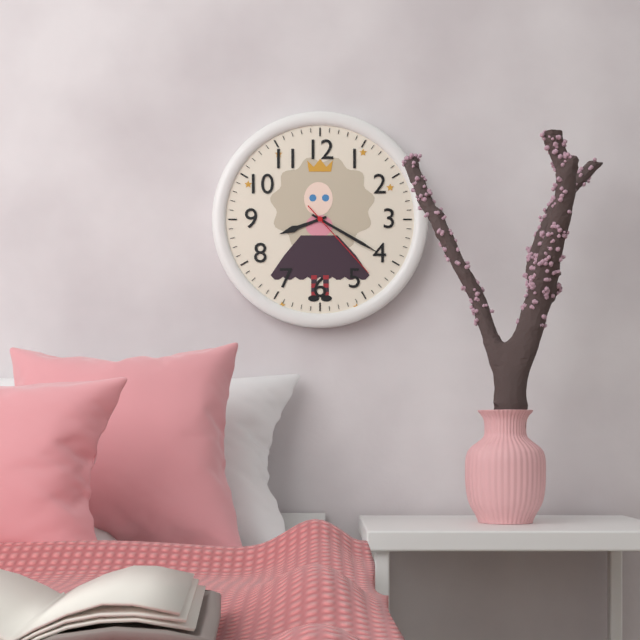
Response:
8.20.23
